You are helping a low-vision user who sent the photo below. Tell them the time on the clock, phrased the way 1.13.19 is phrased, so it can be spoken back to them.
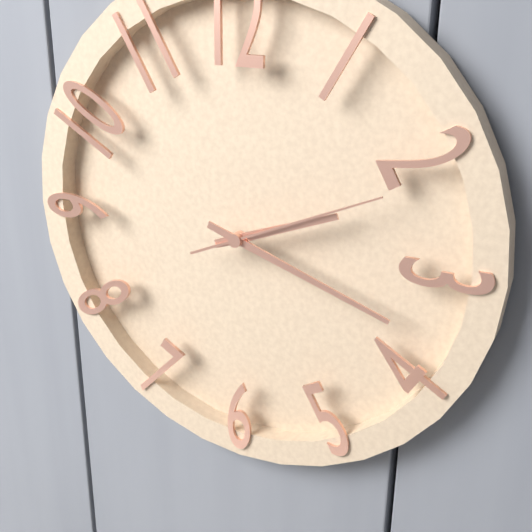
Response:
2.18.11
